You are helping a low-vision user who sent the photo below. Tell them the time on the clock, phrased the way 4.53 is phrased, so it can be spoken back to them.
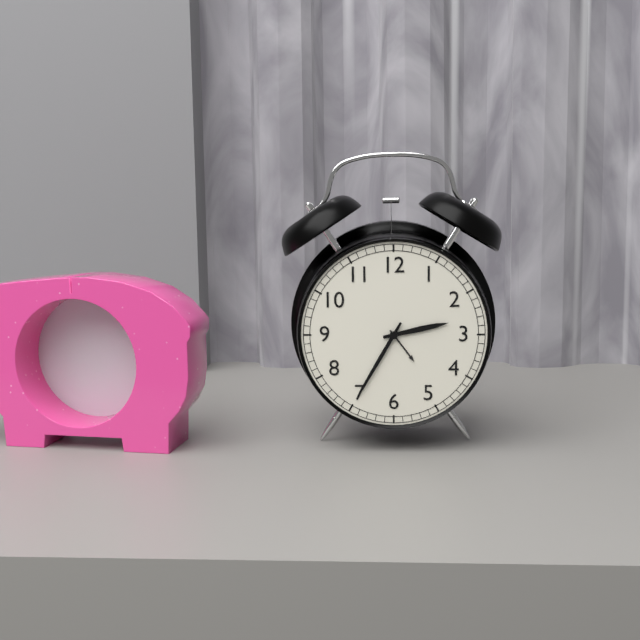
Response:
2.35
